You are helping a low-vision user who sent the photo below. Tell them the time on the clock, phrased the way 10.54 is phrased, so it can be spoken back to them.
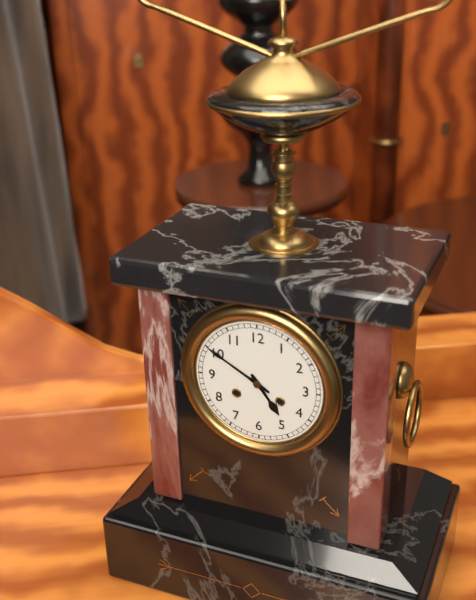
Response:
4.50
